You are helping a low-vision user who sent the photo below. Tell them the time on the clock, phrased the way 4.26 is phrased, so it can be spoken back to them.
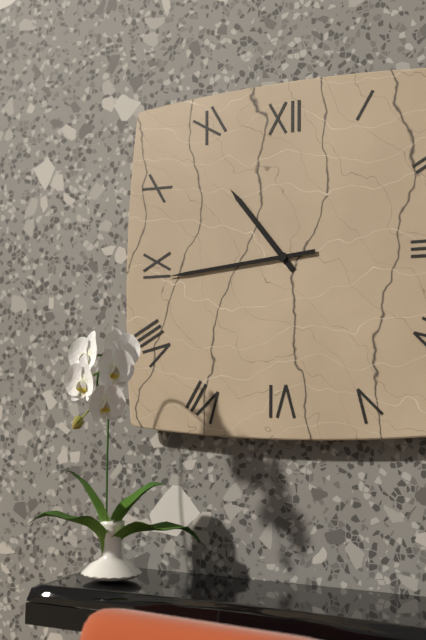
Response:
10.44
